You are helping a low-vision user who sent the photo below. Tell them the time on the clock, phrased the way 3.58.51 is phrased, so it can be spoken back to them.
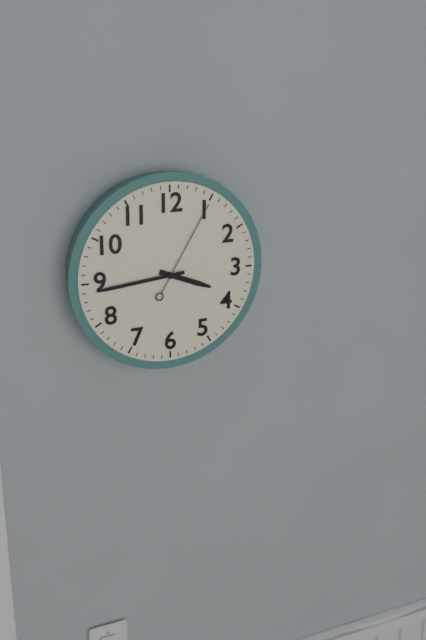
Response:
3.44.05
